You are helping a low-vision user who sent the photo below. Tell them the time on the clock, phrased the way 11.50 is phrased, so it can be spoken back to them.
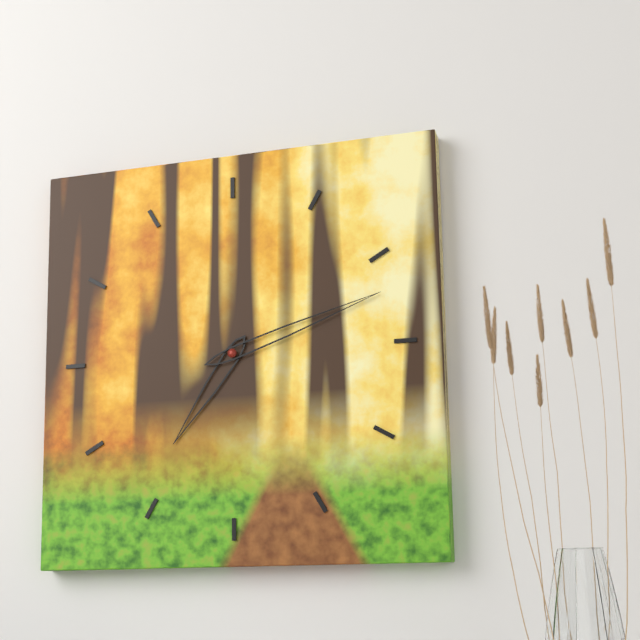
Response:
7.12
